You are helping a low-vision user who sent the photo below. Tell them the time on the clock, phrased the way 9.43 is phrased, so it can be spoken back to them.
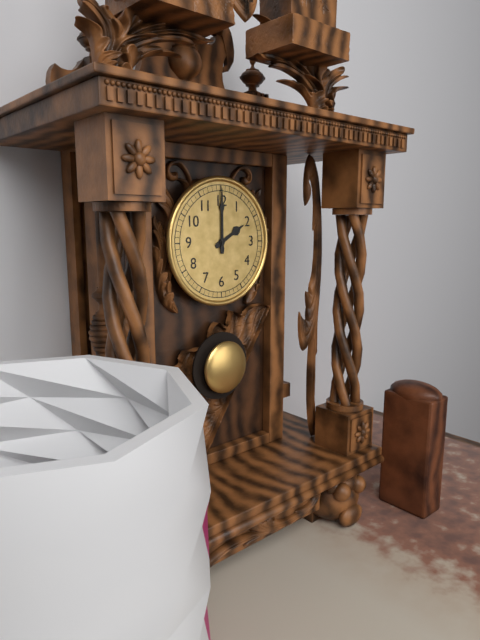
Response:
2.00
